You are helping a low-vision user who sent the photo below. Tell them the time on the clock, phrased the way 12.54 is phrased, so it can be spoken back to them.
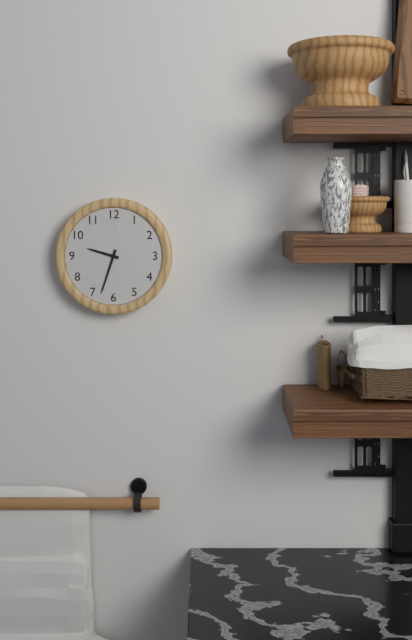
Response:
9.33
